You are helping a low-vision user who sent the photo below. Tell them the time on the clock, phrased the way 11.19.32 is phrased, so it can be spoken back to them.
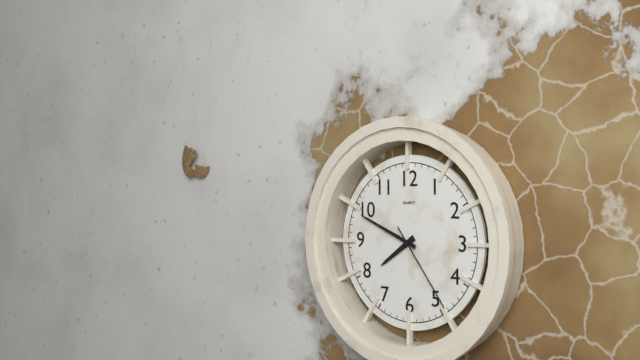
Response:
7.49.24
